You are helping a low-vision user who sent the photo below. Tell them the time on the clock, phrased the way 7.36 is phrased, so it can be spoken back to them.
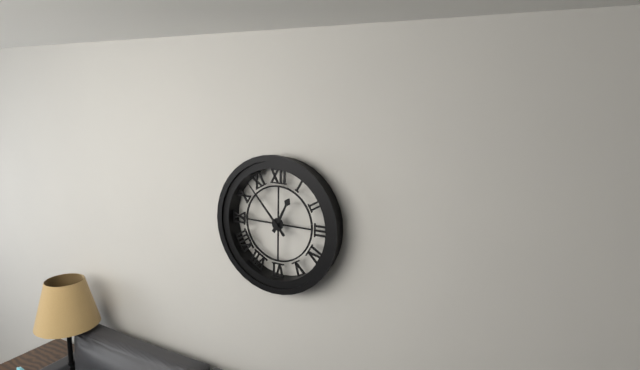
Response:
12.53
